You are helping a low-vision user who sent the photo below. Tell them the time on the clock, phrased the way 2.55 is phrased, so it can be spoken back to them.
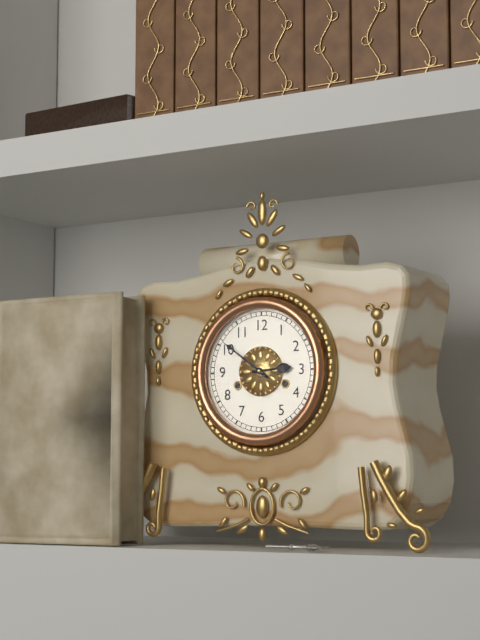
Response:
2.51
